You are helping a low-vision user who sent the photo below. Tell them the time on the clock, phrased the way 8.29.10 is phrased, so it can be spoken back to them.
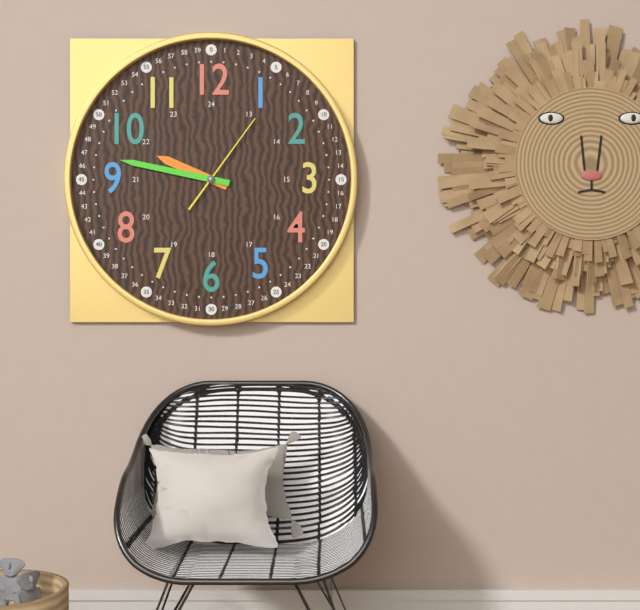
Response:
9.47.06
